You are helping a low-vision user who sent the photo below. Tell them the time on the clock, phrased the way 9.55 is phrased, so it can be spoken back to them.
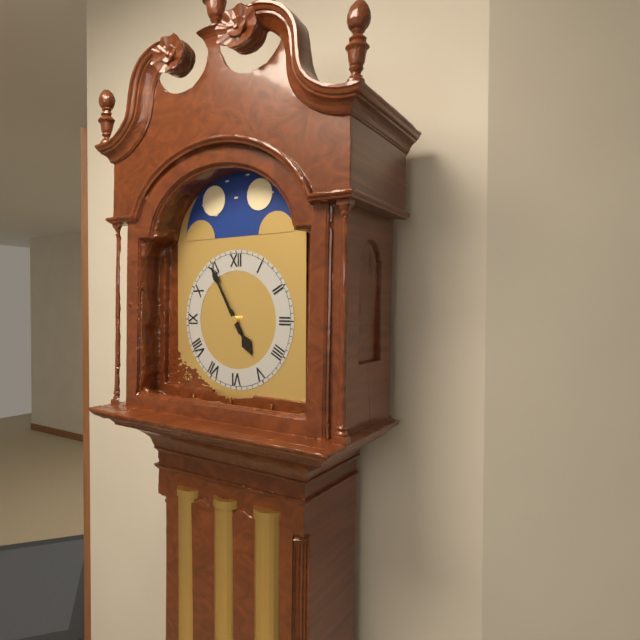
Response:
4.55
